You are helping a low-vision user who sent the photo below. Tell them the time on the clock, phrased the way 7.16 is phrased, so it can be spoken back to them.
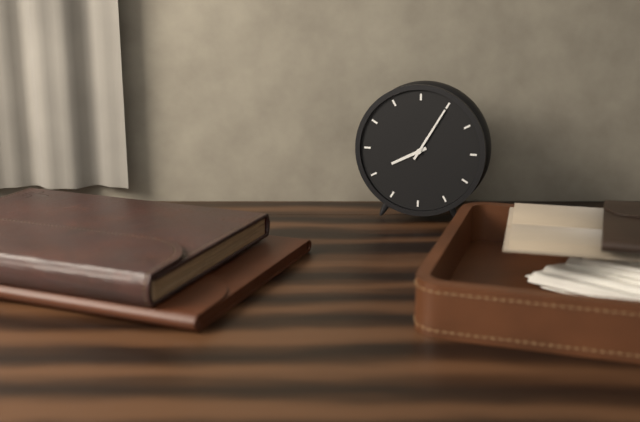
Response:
8.05
